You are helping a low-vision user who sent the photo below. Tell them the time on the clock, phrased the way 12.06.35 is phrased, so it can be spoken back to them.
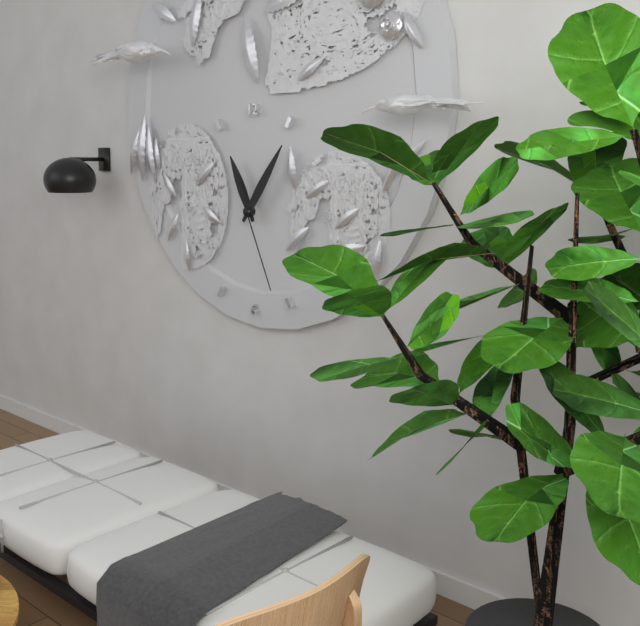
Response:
11.06.26
